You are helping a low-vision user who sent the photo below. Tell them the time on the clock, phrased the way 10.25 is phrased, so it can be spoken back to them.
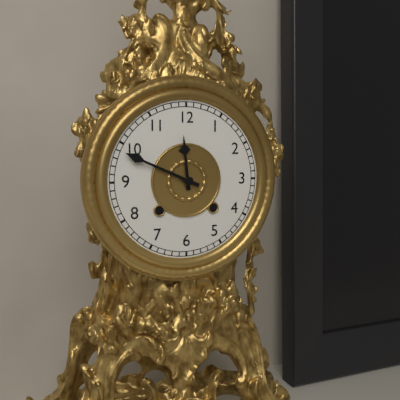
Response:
11.49
